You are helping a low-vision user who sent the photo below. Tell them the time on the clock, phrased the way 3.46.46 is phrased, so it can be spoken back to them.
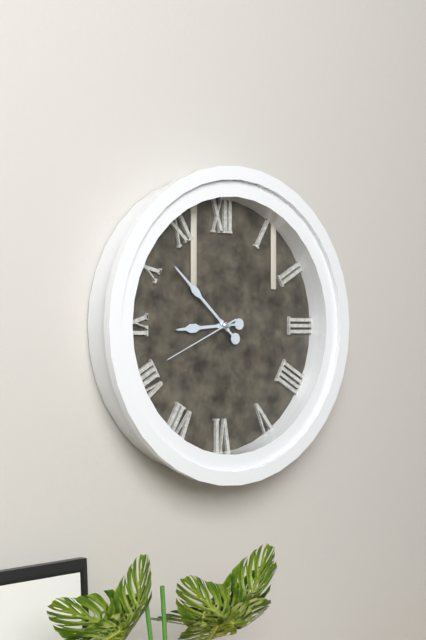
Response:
8.52.41
